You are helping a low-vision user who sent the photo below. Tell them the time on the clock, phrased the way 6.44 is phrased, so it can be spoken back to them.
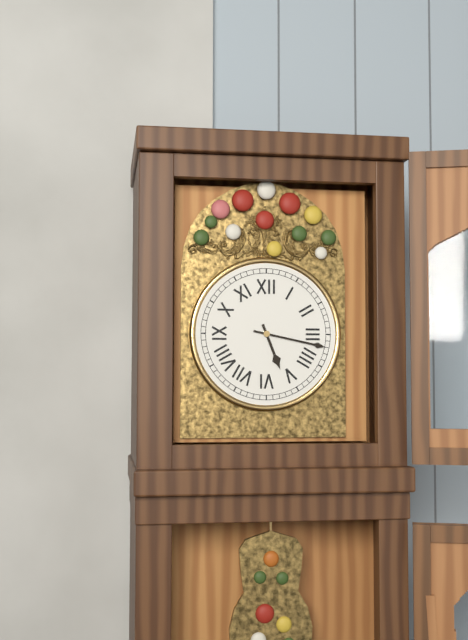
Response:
5.17
